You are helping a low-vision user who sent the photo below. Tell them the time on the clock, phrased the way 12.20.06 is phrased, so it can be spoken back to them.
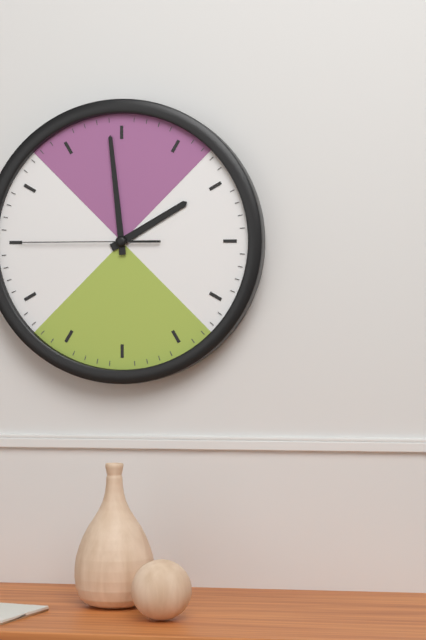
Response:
1.59.45
